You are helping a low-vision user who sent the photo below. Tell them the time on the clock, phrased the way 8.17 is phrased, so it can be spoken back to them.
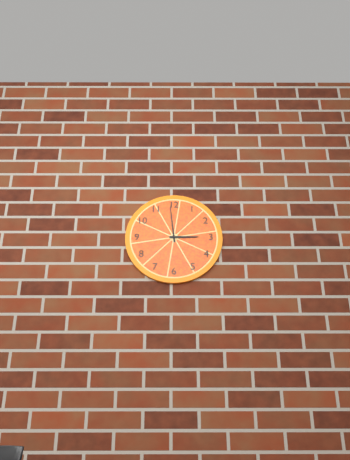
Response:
2.59
